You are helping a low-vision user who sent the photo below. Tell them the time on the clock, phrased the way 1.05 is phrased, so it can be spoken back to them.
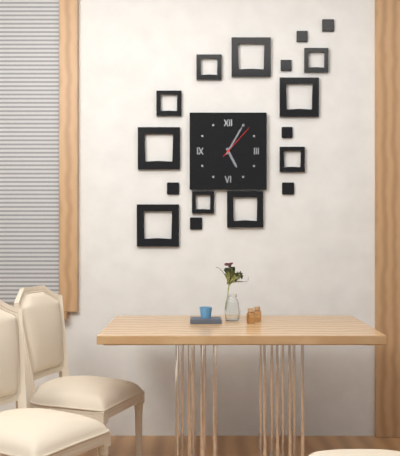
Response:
5.05
